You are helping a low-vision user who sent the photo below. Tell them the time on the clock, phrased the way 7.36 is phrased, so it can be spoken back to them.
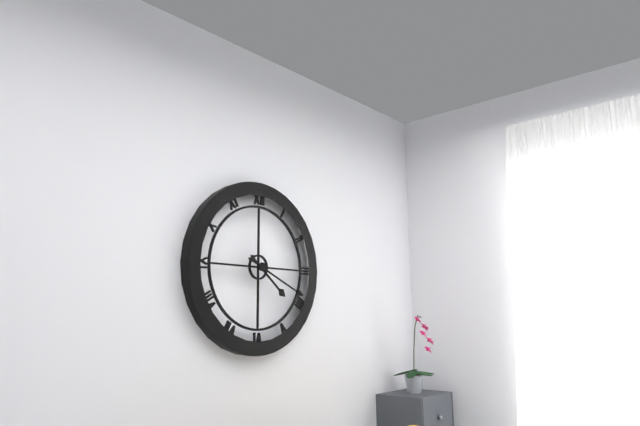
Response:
4.19
